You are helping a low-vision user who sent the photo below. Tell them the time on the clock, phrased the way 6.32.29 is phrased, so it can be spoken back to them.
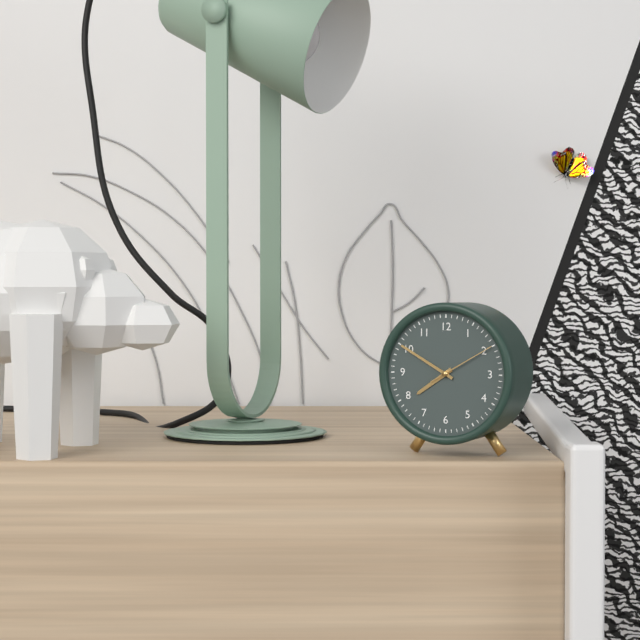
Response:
7.50.10
